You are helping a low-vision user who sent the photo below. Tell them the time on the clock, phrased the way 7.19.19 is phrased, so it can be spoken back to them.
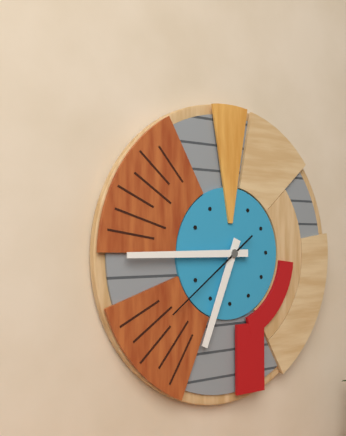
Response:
6.45.39
